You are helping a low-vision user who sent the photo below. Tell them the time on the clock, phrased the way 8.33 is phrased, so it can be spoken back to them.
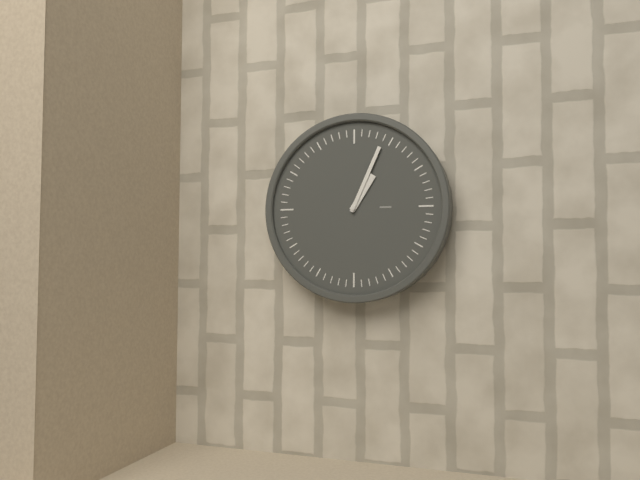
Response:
1.04
